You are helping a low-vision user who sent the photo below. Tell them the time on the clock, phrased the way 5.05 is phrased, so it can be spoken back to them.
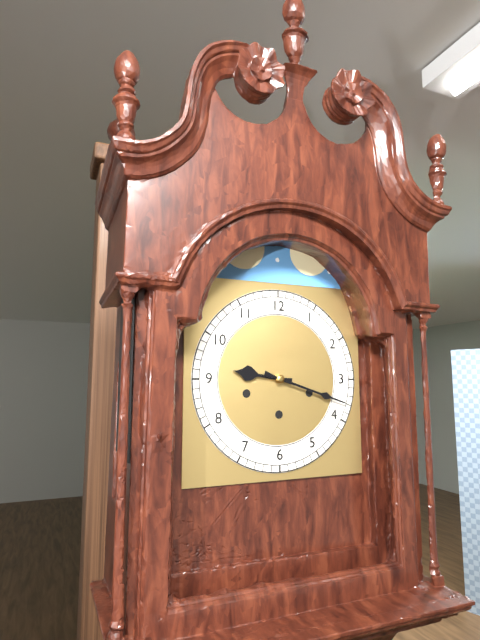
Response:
9.18
